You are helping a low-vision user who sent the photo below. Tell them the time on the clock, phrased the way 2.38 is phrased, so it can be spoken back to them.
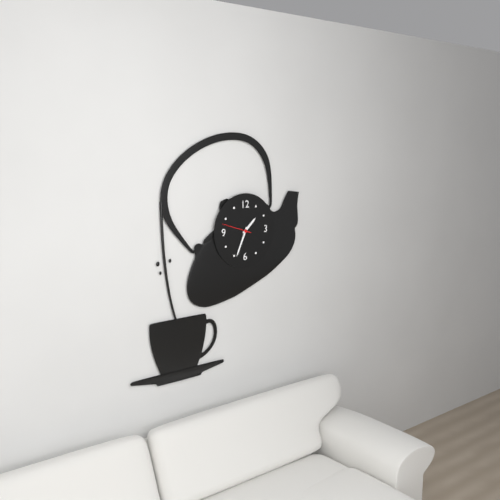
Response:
1.34
